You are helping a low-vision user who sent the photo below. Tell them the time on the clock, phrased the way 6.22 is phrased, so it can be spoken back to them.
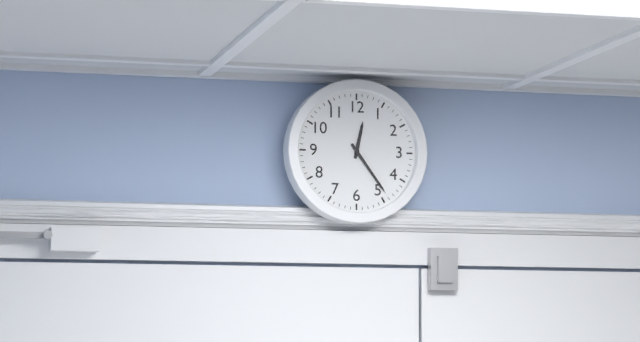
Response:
12.24
